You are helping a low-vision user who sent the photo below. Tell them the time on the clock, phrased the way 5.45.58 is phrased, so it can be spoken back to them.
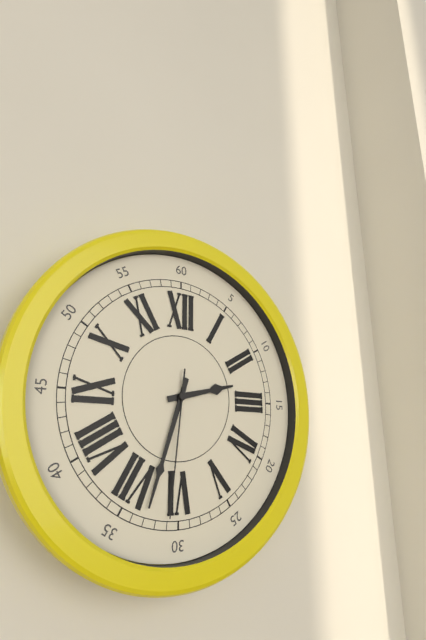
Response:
2.33.31
